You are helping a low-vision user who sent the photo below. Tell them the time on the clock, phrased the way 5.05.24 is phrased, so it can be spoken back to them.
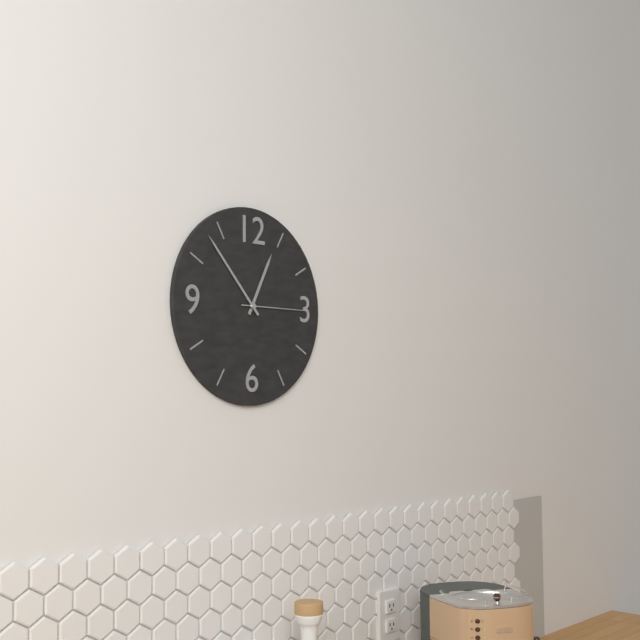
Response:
12.53.15
